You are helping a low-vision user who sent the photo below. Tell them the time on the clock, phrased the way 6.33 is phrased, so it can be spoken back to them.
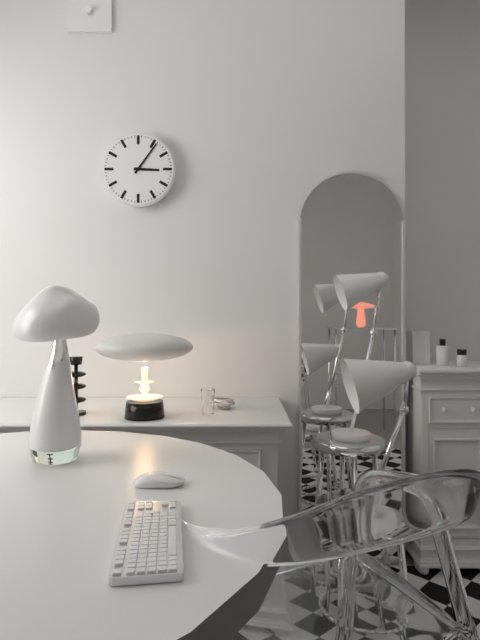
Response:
3.06
